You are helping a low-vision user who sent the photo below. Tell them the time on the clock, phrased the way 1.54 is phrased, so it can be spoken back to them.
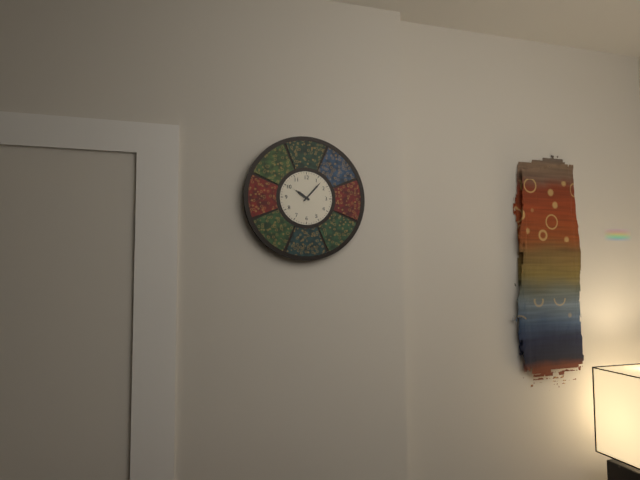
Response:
10.07
